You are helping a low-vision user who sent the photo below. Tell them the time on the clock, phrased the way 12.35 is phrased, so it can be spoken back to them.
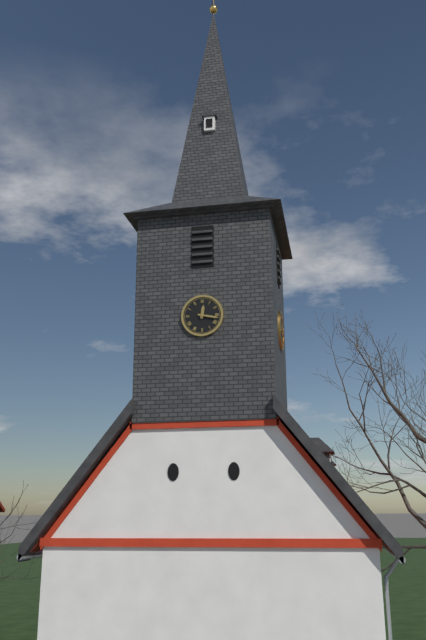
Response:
12.17
